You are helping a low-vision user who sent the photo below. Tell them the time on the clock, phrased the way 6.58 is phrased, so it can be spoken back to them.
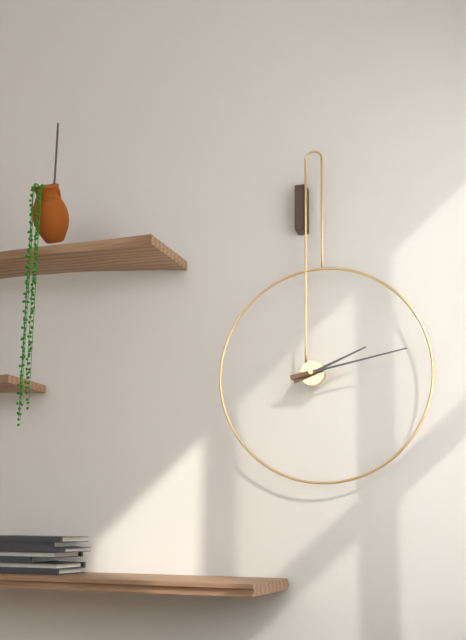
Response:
2.13
